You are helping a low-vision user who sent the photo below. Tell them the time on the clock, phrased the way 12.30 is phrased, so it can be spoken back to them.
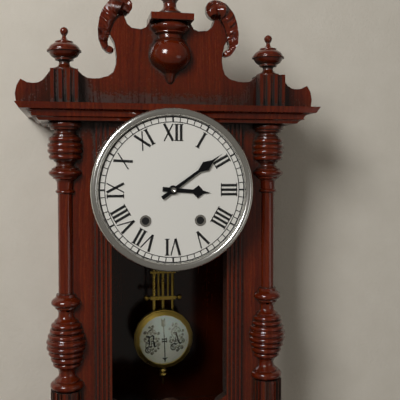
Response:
3.09
